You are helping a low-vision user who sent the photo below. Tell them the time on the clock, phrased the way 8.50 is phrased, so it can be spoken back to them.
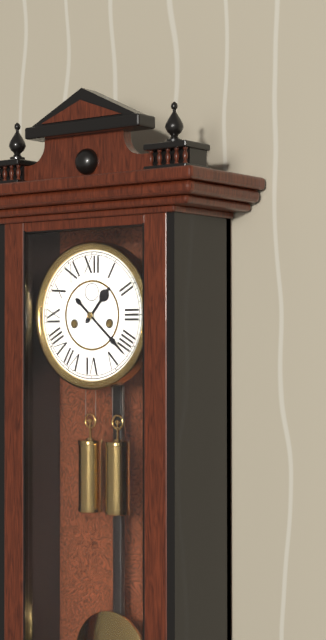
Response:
1.22
